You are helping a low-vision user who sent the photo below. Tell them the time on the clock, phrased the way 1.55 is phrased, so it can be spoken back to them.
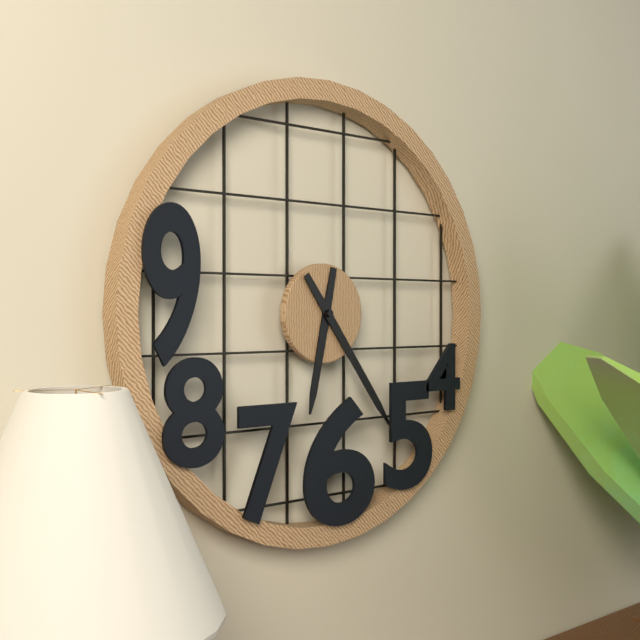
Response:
6.24
